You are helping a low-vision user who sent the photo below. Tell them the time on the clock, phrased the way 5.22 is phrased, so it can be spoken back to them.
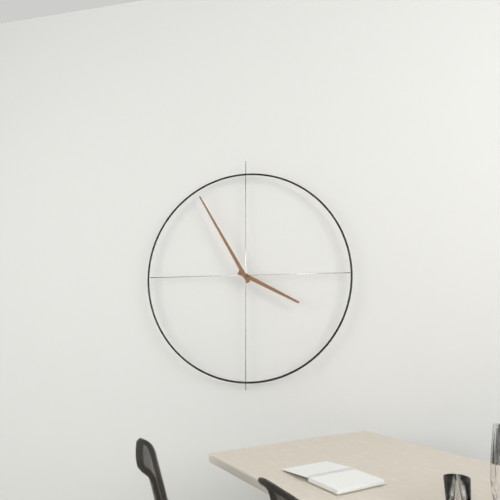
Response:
3.55
